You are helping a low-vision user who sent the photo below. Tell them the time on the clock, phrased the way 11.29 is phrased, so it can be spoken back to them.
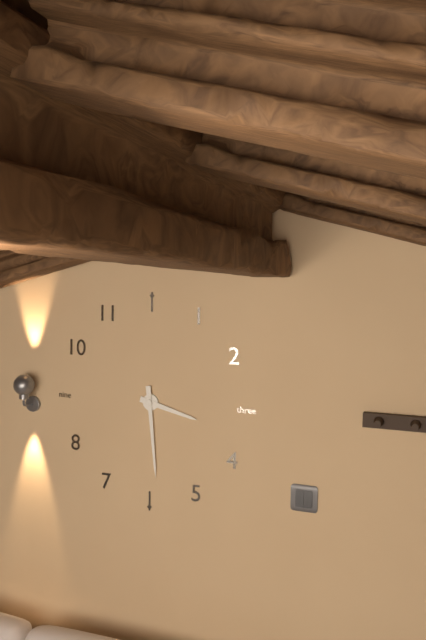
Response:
3.29
